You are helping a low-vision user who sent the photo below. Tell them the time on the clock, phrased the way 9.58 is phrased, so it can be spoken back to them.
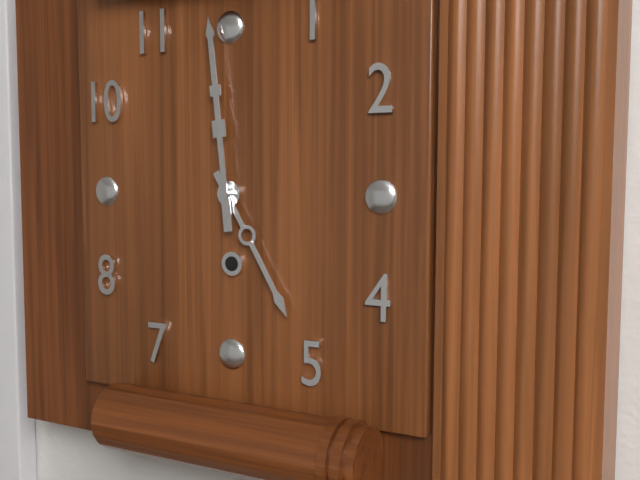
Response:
4.59
